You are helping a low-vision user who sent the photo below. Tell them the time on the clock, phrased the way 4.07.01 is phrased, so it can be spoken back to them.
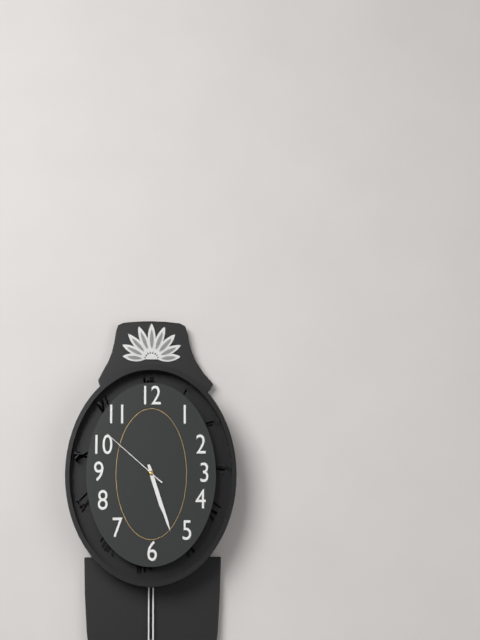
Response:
5.27.52
